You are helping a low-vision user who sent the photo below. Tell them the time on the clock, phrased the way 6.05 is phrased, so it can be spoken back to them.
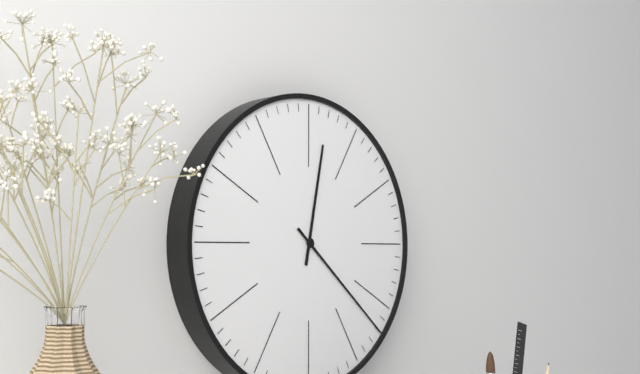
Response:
12.22
